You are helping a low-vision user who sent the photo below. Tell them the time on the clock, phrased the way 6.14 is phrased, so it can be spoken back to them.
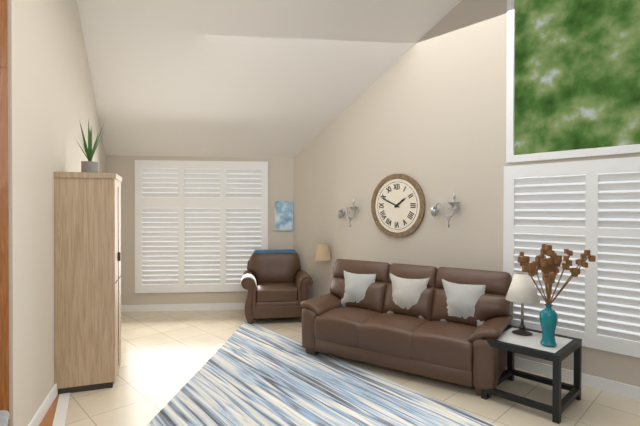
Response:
1.49
